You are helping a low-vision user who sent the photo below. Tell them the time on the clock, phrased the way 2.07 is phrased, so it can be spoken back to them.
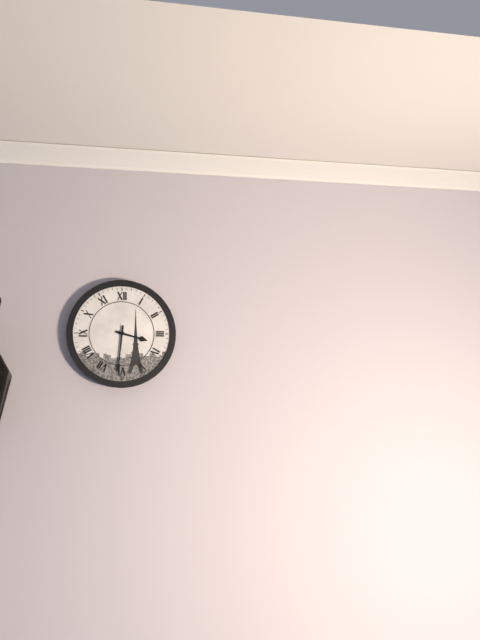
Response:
3.31
